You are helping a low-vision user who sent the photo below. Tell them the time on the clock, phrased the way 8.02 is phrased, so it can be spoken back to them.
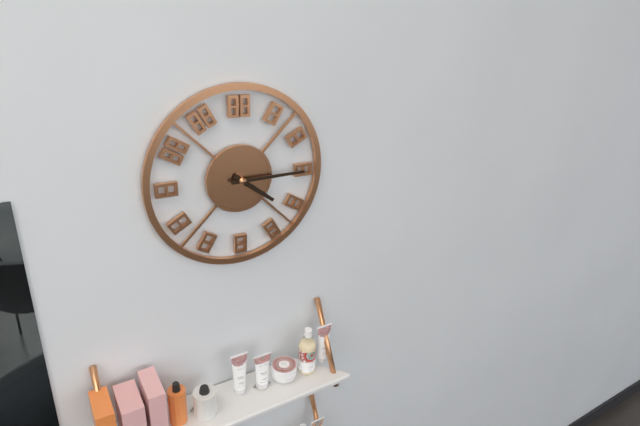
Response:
4.15
